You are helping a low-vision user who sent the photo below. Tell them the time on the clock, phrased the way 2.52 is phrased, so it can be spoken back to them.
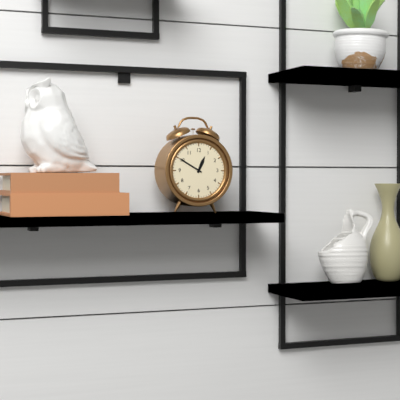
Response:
12.50
